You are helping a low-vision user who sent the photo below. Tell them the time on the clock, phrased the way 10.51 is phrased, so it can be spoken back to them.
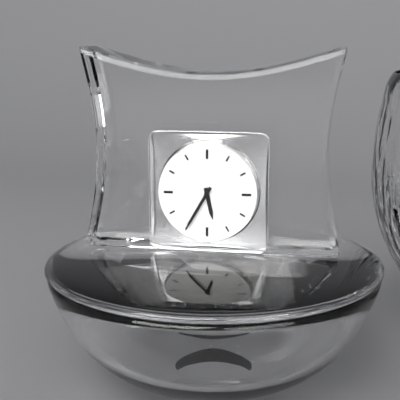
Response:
5.35
